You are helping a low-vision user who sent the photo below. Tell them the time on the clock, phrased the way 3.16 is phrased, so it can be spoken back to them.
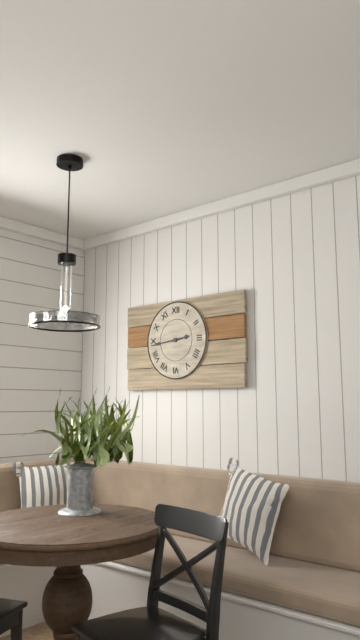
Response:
2.44
